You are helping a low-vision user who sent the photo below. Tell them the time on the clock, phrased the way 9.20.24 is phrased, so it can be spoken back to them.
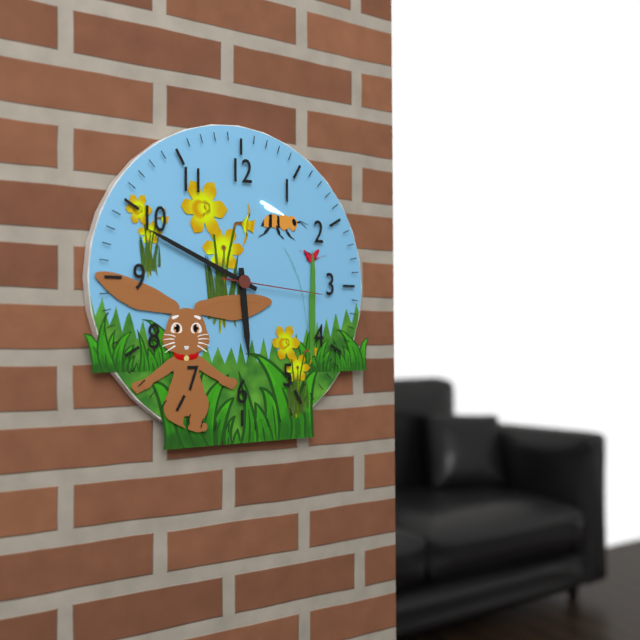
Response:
5.49.16
